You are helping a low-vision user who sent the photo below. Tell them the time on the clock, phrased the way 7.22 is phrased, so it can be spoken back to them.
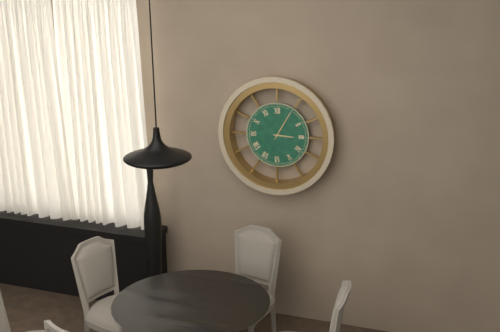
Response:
3.05
